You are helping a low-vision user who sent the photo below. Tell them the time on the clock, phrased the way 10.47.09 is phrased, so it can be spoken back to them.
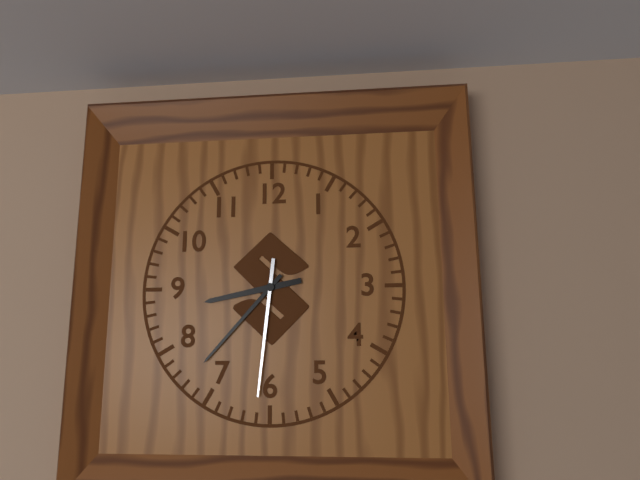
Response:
8.37.31
